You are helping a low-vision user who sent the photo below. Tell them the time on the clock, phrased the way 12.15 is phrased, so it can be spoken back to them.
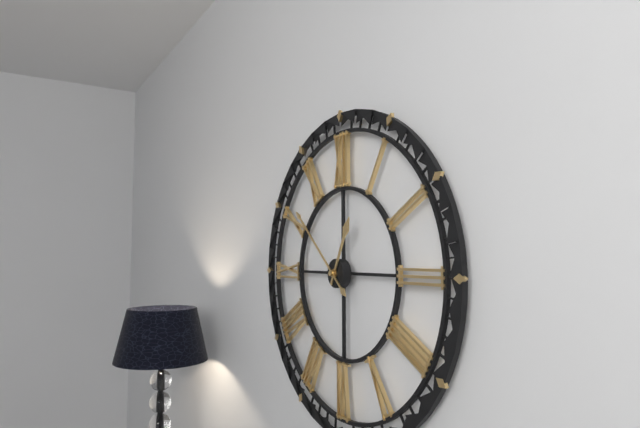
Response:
12.52
